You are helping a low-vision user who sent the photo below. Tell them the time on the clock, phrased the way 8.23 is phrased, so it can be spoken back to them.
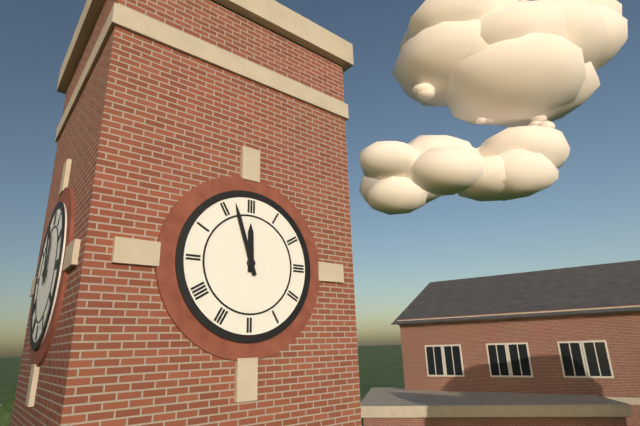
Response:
11.57
